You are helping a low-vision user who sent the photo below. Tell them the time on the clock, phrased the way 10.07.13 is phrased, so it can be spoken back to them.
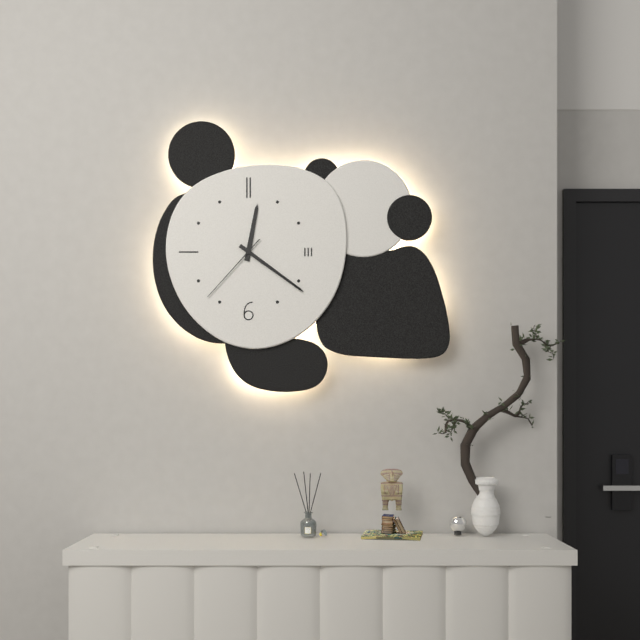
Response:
12.21.37
